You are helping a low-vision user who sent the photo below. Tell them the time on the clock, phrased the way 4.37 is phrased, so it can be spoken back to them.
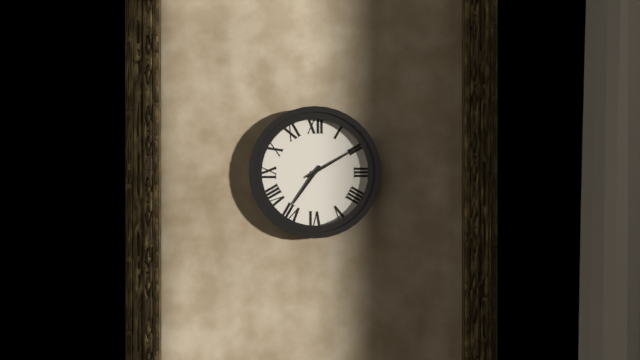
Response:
7.10
